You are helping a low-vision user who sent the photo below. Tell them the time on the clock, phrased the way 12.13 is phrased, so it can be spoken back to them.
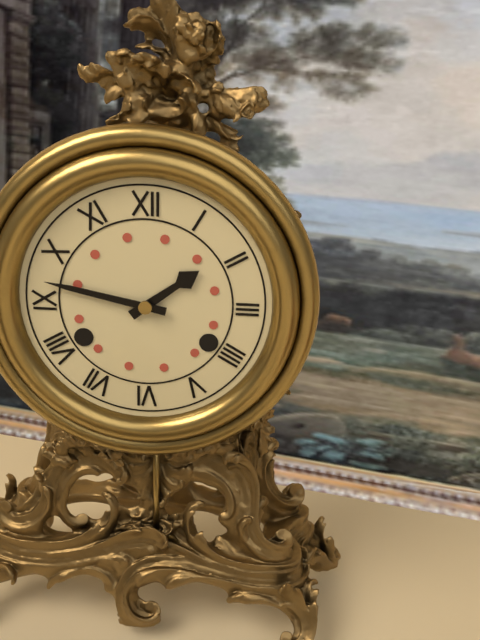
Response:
1.47
